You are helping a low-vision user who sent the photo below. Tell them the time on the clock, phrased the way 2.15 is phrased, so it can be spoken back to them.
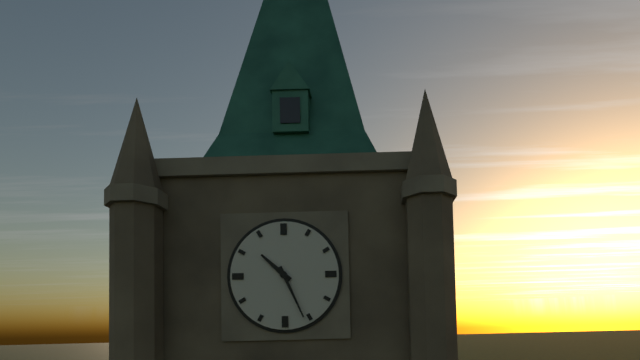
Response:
10.26
